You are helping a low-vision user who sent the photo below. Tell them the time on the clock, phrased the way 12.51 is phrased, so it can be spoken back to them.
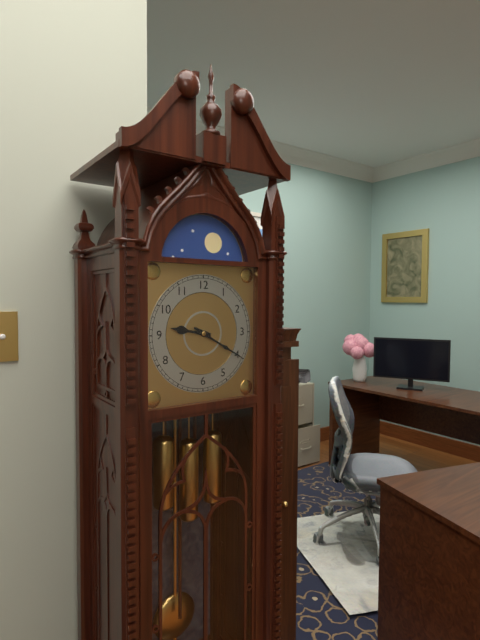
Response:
9.20
